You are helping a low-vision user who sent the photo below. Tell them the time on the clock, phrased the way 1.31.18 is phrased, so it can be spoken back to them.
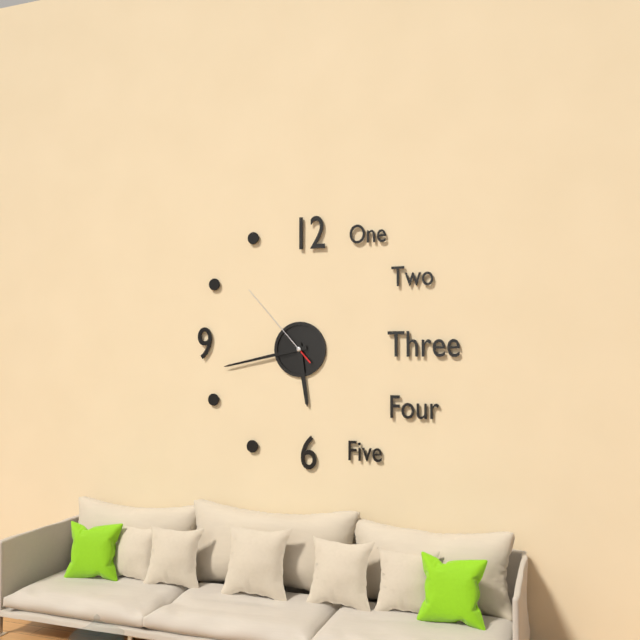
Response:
5.43.53
